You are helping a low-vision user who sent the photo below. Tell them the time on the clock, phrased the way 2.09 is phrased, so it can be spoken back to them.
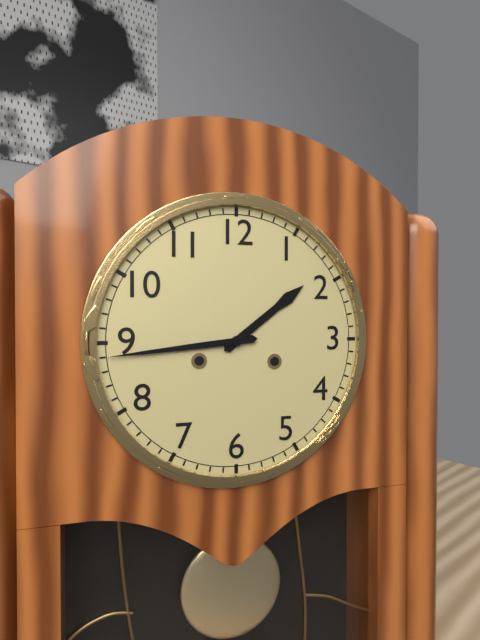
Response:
1.44
